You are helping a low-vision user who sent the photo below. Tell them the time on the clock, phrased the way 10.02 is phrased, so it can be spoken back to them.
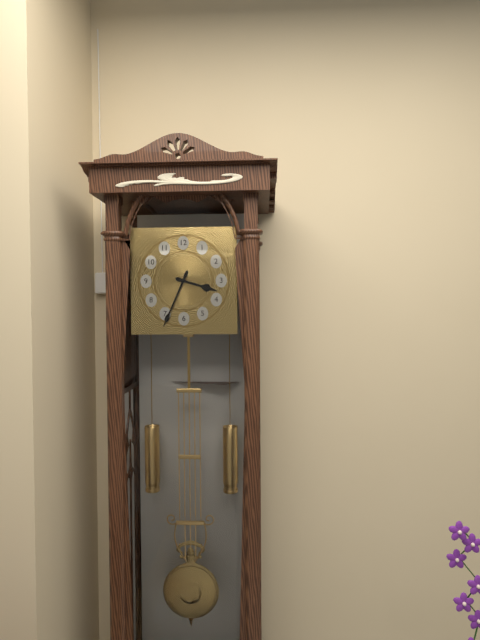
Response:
3.34
